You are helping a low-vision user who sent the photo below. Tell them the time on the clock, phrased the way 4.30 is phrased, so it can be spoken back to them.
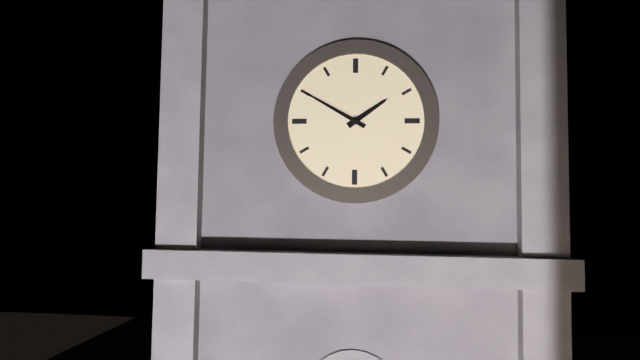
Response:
1.50
